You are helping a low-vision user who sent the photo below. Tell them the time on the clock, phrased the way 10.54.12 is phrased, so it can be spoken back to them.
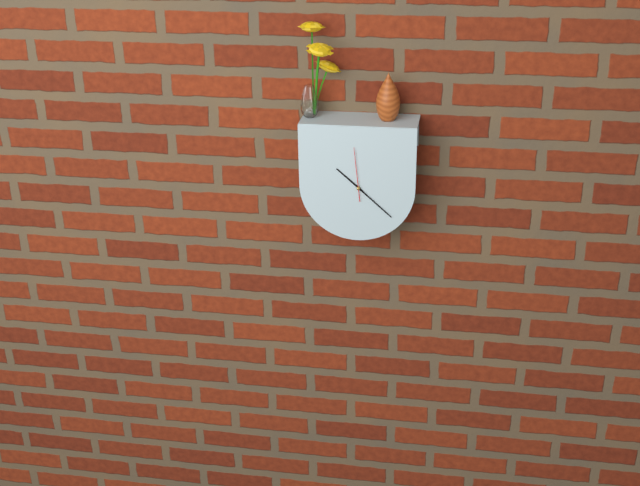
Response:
10.22.59
